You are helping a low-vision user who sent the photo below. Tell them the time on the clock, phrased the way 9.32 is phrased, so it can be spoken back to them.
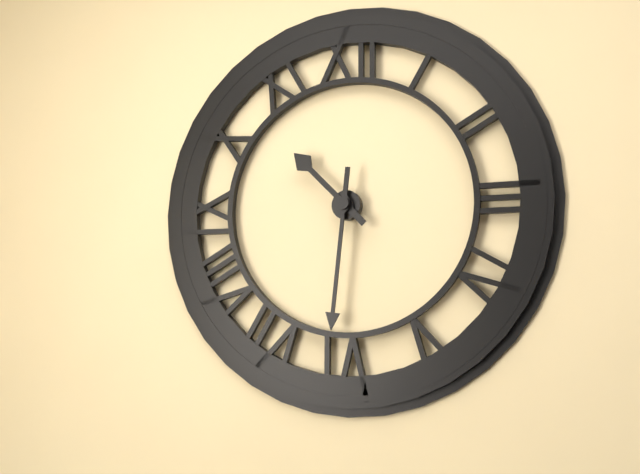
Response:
10.31
